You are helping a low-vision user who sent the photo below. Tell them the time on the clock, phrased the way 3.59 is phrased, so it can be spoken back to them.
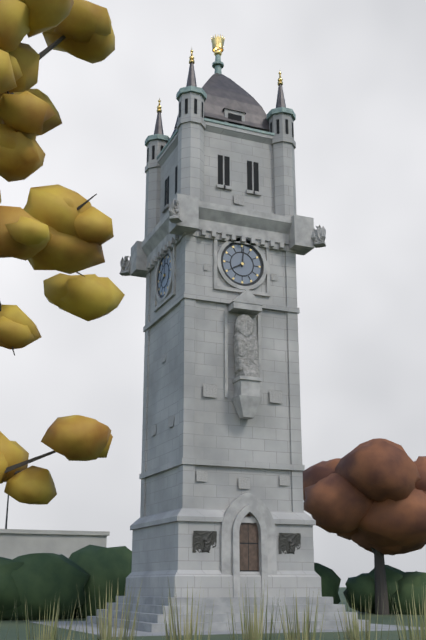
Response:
8.01
